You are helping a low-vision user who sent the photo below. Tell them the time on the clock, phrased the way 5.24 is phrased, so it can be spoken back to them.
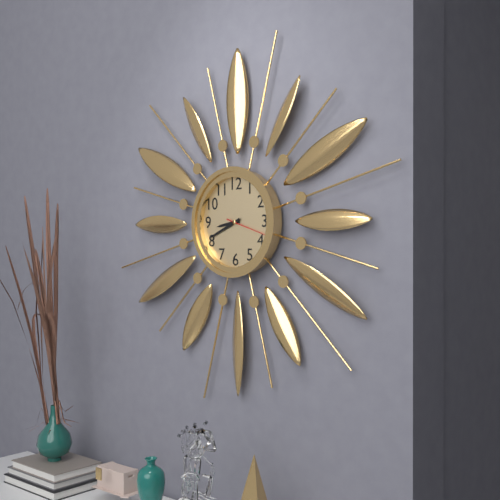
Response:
8.41
